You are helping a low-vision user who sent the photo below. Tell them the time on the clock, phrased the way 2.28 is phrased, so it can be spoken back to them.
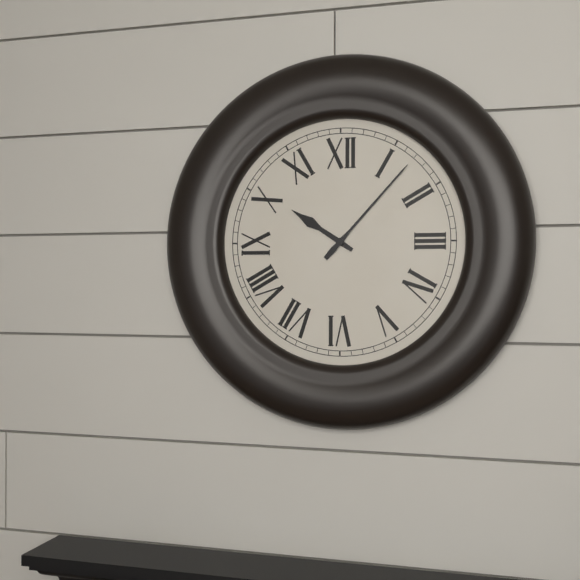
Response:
10.07
